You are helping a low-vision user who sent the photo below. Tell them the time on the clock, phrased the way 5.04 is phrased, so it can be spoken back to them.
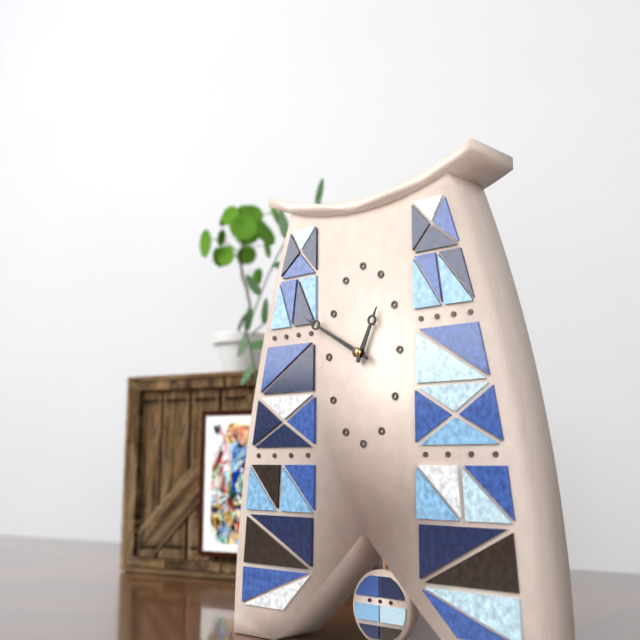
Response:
12.50
